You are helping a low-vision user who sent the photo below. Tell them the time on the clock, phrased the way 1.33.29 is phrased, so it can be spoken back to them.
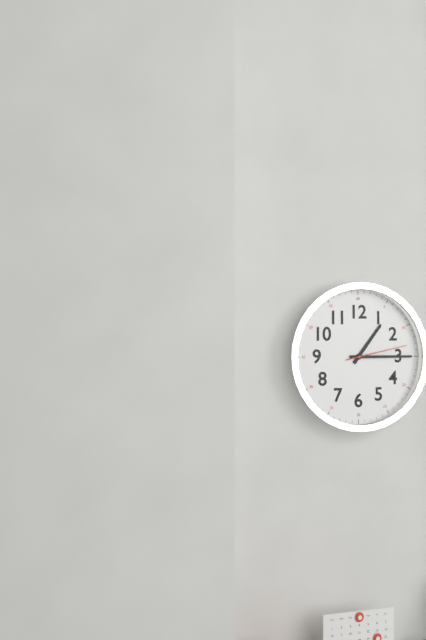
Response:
1.15.13
